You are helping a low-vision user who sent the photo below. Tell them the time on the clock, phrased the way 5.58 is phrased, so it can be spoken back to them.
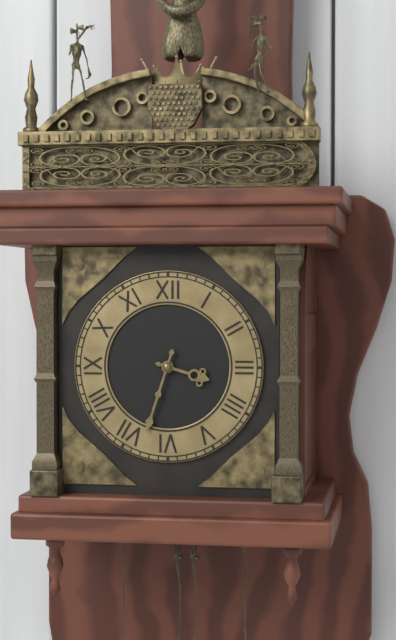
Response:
3.33
